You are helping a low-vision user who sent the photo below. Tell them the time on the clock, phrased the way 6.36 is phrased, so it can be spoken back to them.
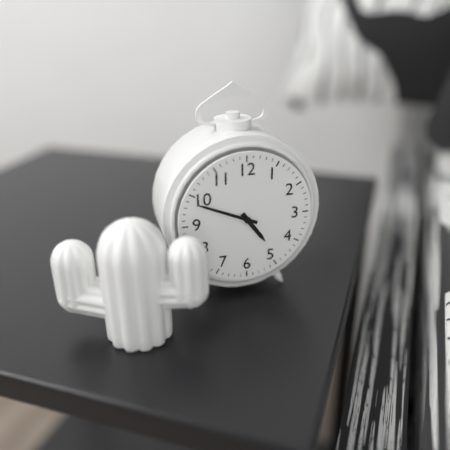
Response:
4.49
